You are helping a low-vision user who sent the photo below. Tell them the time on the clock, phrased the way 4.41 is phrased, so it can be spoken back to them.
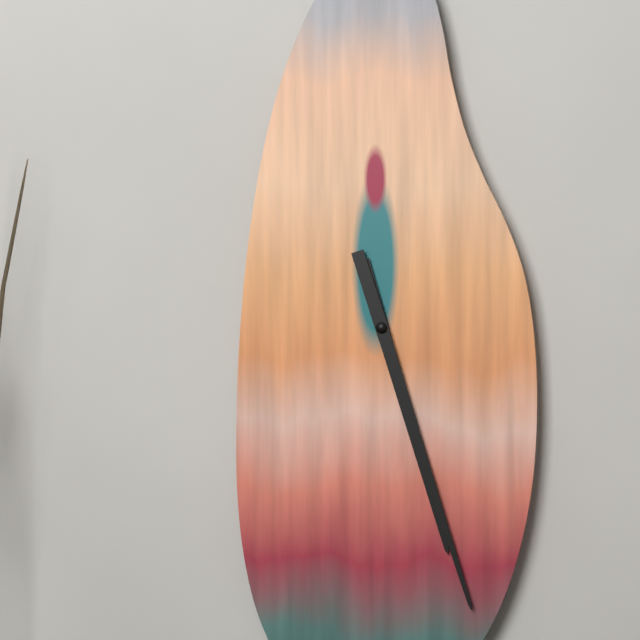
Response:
5.27
